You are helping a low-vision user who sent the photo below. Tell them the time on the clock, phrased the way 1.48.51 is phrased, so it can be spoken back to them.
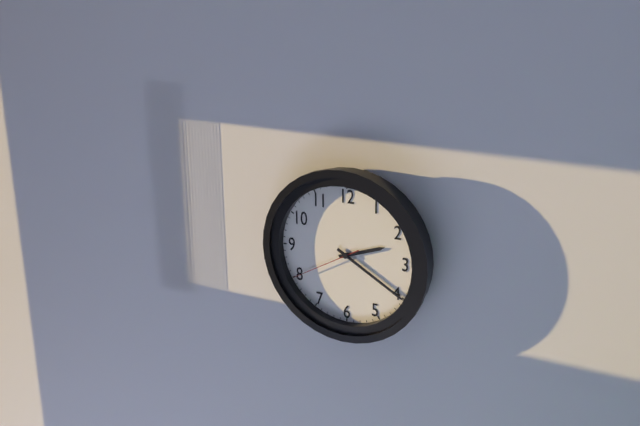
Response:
2.20.40
